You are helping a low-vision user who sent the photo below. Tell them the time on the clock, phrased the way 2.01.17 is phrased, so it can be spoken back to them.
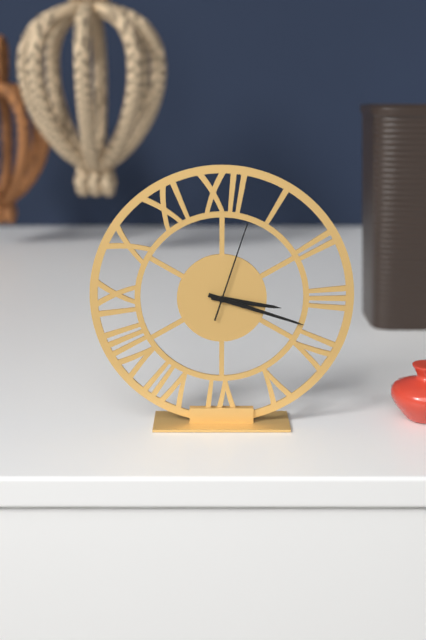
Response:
3.18.03
